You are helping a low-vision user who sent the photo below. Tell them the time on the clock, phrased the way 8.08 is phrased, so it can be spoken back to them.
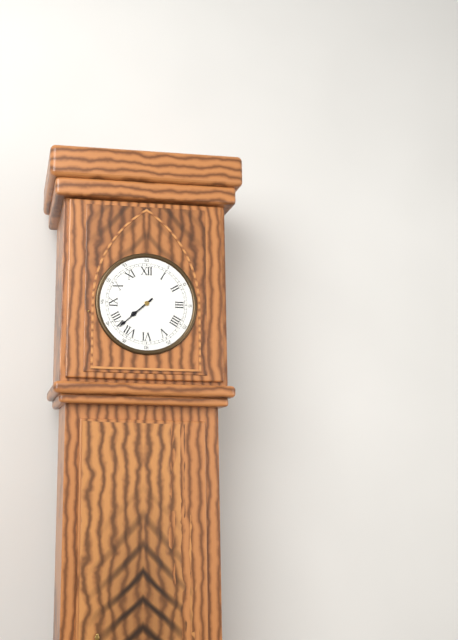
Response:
7.38
